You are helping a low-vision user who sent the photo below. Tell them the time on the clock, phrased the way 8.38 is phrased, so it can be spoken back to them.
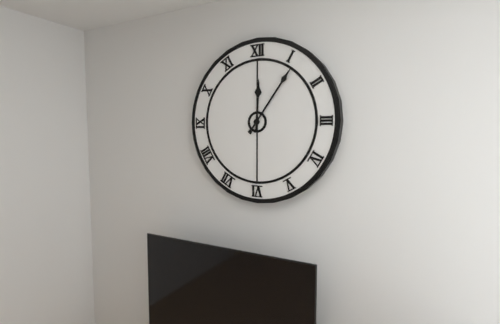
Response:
12.06
